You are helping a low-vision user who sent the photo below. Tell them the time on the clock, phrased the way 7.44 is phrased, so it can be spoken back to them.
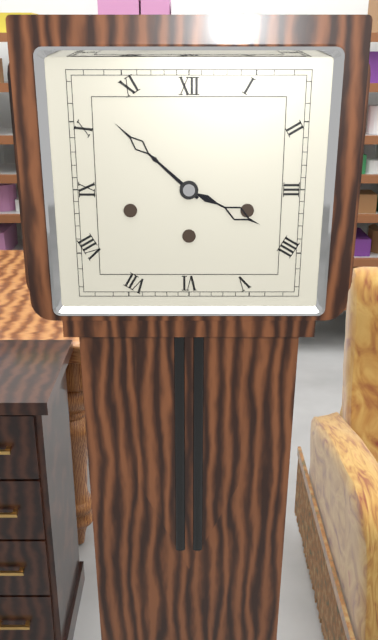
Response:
3.52
